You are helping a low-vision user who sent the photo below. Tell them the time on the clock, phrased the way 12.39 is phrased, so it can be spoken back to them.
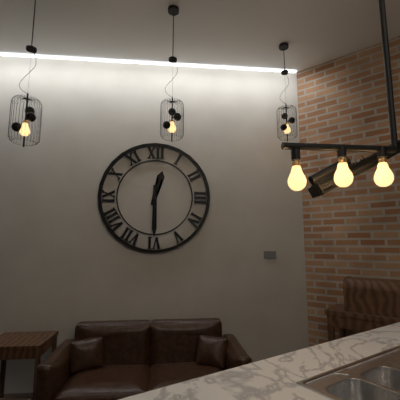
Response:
12.30
